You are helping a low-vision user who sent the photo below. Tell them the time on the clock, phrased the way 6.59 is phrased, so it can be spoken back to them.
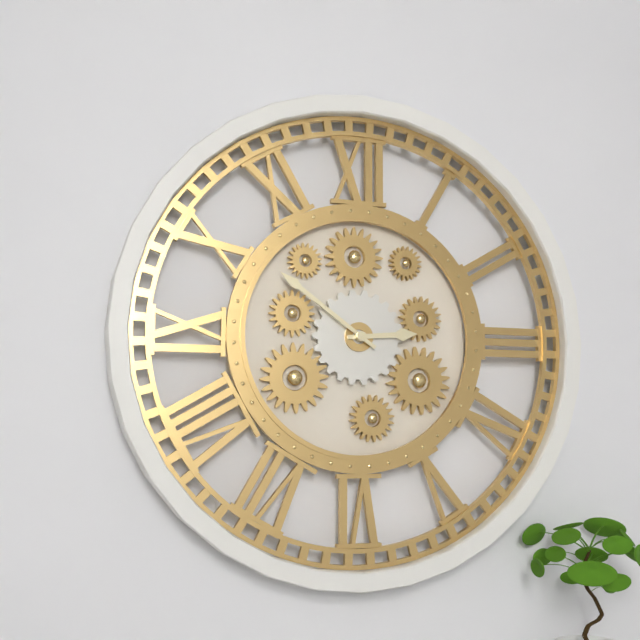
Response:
2.51
